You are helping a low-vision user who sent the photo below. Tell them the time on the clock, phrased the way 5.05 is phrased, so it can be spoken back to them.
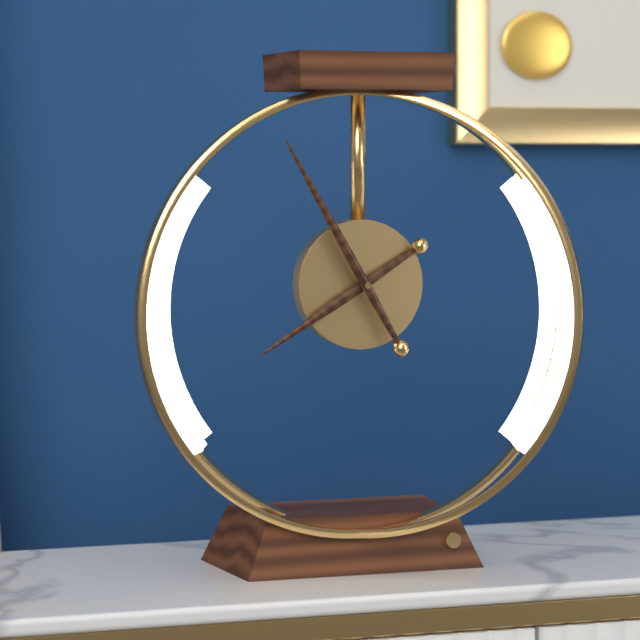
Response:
7.55
